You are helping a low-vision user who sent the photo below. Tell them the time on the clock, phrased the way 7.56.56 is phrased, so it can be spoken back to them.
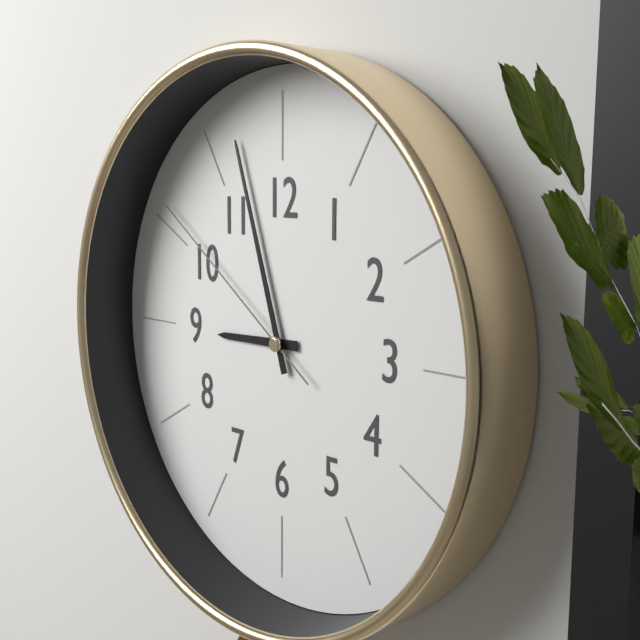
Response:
8.57.51
